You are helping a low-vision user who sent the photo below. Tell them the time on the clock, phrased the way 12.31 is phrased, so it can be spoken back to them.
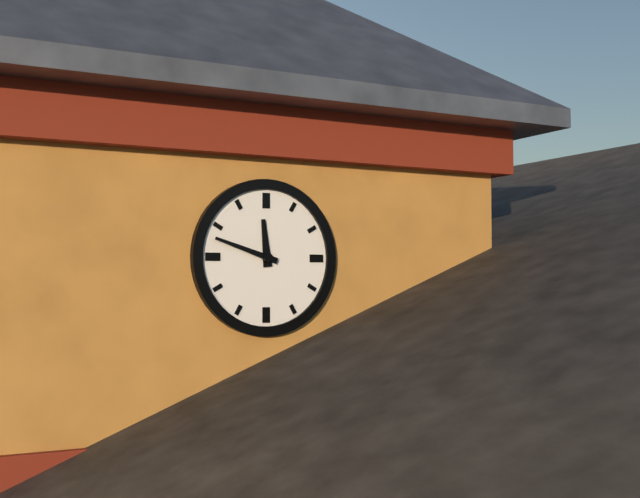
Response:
11.48
